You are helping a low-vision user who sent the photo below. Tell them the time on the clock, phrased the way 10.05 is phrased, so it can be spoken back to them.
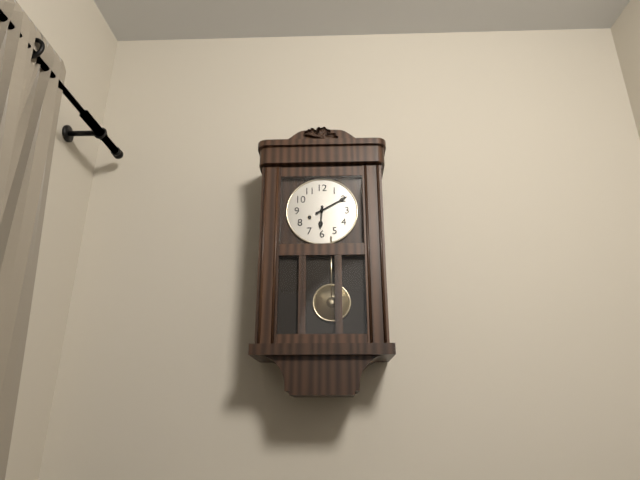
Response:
6.10
